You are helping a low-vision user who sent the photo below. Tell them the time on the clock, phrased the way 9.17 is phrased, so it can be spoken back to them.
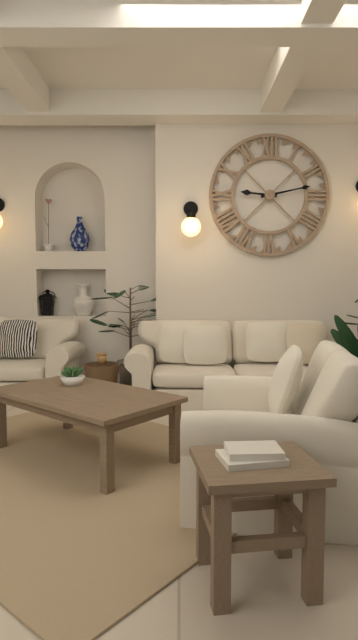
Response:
9.13
